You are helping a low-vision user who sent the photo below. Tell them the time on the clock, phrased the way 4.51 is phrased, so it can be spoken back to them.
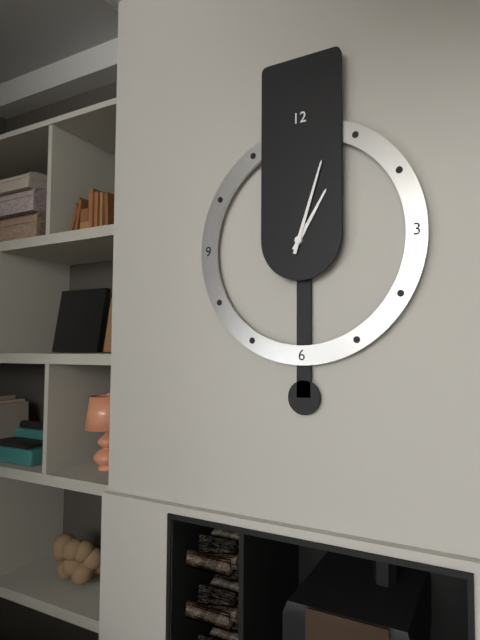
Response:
1.03
